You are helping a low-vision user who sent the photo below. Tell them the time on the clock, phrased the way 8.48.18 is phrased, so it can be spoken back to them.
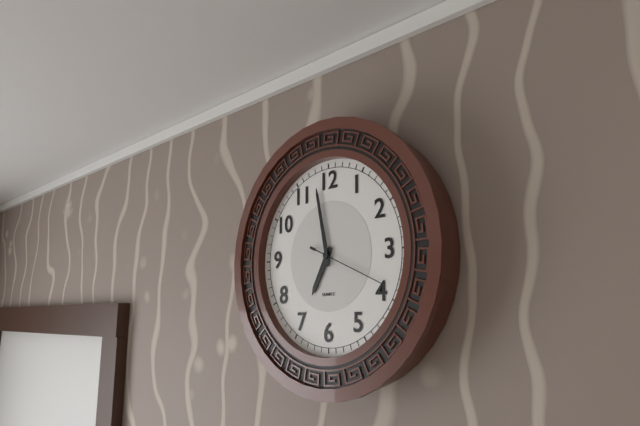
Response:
6.58.19
